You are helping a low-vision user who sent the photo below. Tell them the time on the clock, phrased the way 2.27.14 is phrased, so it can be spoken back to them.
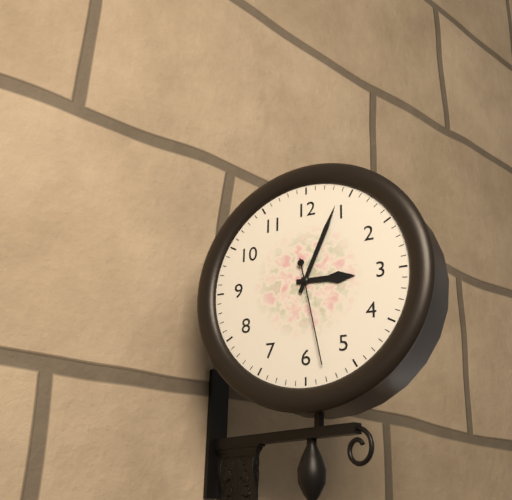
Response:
3.04.28
